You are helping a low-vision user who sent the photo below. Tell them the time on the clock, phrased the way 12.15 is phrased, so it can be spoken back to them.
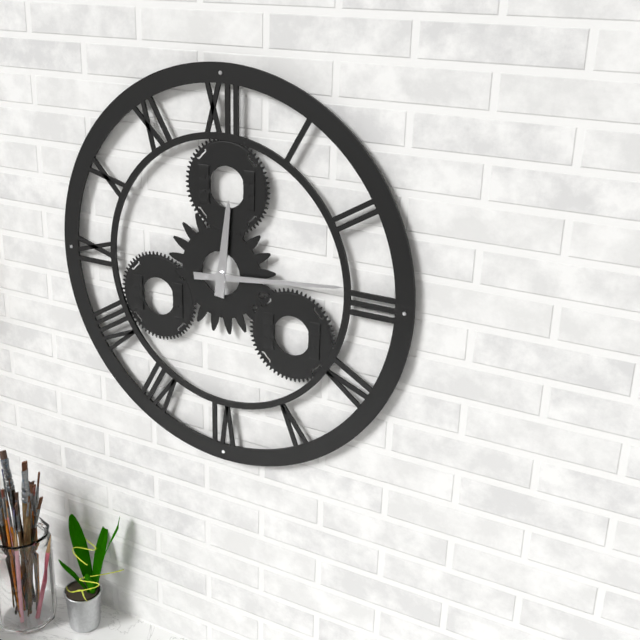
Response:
12.14
